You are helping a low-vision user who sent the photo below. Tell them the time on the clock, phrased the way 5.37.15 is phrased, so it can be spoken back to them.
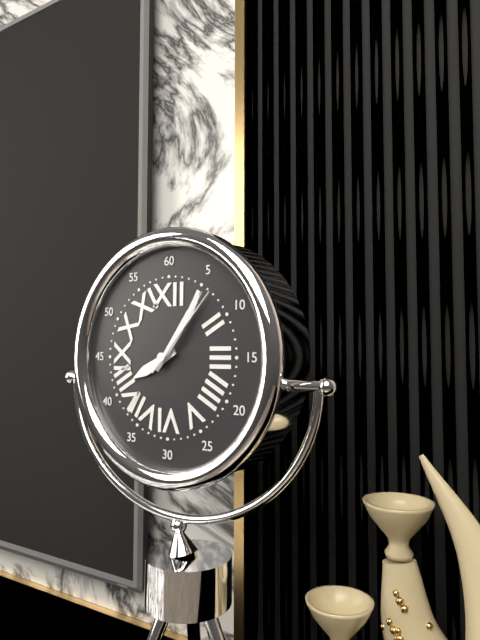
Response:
8.06.07
